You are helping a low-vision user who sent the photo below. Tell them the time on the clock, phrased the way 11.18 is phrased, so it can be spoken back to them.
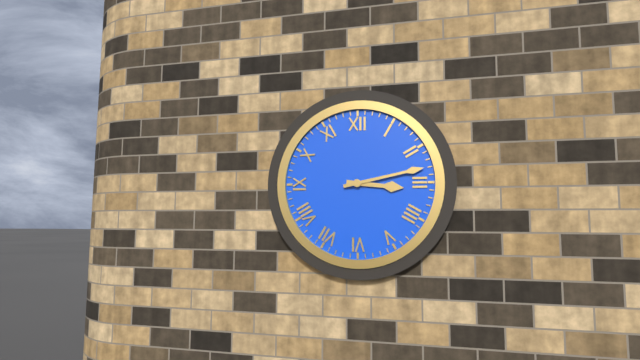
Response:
3.13
